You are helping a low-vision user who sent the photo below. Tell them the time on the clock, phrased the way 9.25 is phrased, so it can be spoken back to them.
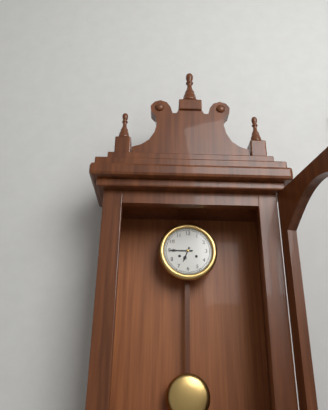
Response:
6.45
